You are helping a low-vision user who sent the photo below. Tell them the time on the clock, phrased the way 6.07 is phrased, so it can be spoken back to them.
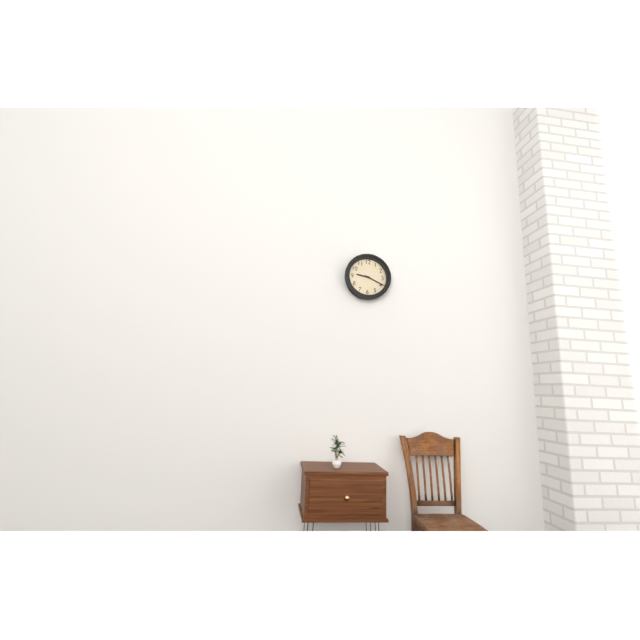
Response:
9.19
